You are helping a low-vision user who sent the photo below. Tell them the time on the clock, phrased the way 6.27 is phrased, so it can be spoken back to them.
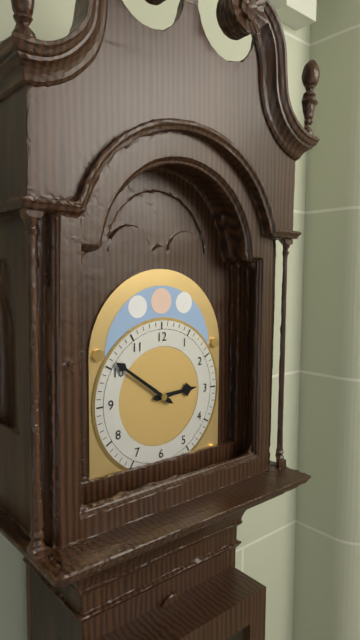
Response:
2.51
